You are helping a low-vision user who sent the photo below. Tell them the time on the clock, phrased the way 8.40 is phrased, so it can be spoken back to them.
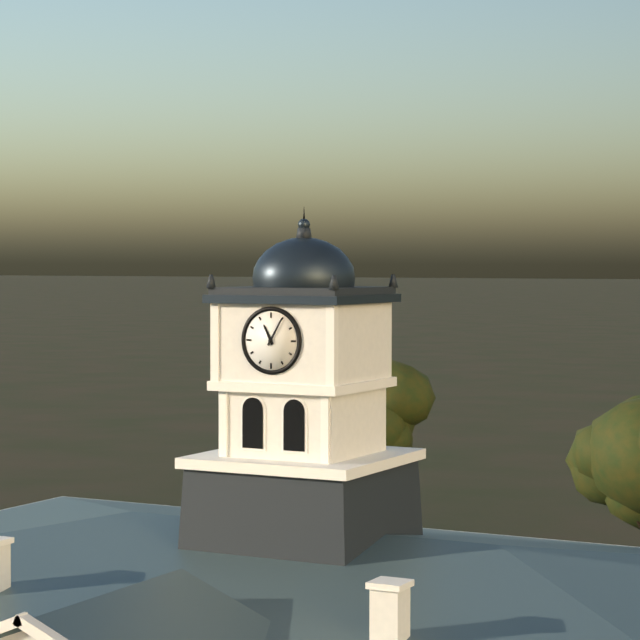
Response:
11.05
